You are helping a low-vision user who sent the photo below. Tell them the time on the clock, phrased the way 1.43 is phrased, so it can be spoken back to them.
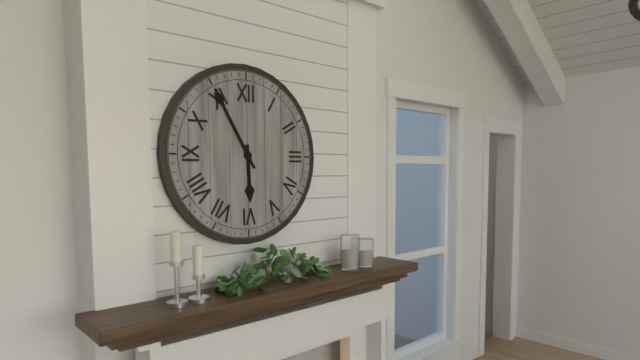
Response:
5.55
